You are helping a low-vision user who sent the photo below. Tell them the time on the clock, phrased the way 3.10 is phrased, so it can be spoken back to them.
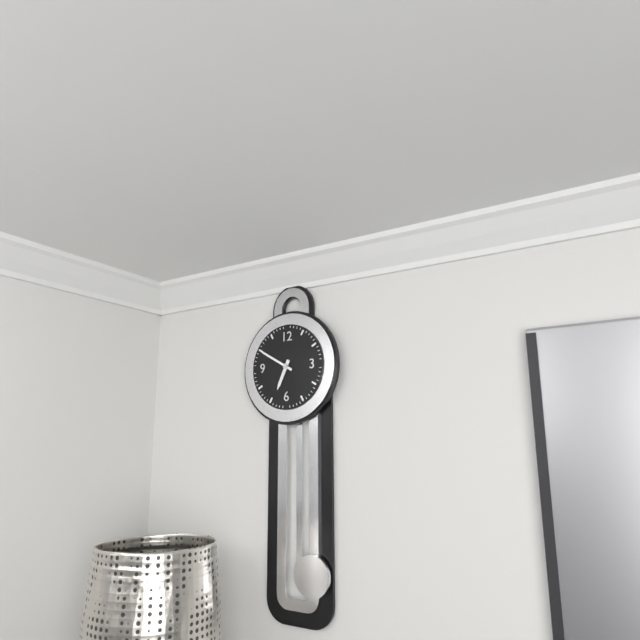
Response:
6.50
